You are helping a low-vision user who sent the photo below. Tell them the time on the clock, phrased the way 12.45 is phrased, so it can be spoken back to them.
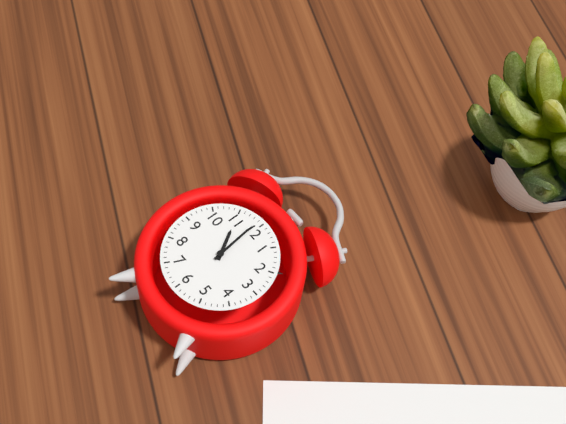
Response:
10.59
